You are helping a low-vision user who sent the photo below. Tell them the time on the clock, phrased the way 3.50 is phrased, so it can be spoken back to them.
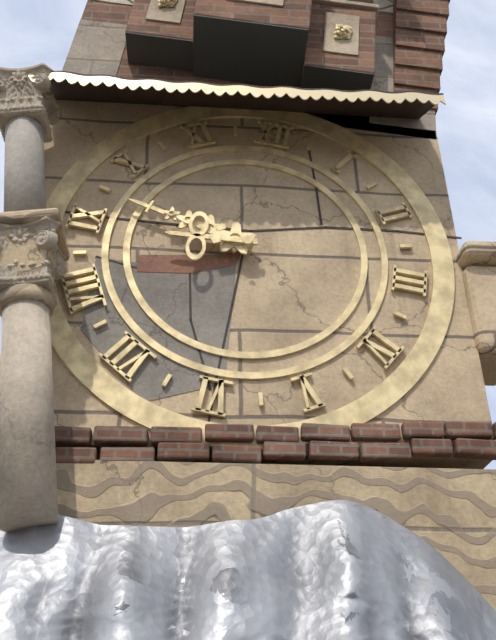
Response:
8.47
